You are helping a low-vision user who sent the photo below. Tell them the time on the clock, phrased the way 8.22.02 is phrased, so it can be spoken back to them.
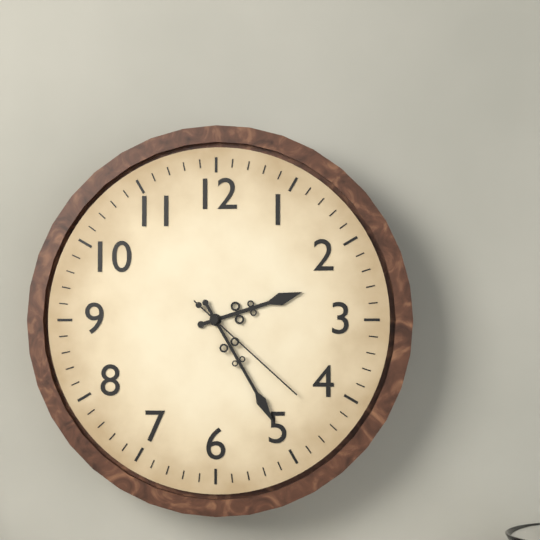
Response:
2.25.22
